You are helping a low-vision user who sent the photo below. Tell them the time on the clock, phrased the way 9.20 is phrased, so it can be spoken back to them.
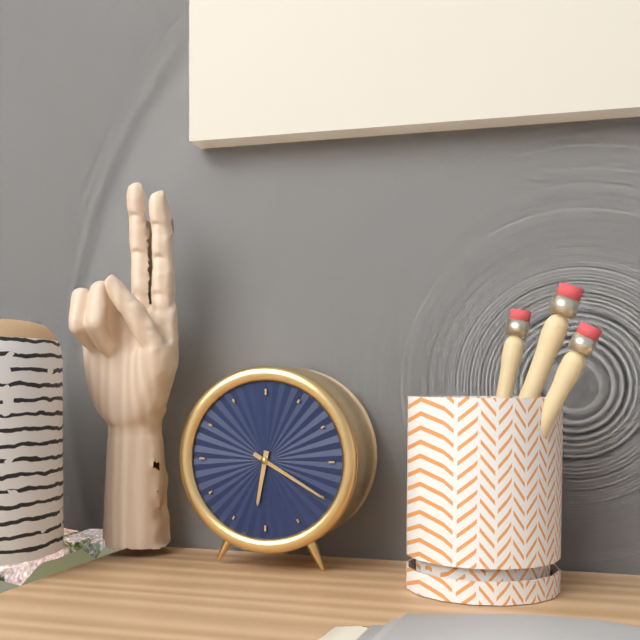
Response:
6.20
